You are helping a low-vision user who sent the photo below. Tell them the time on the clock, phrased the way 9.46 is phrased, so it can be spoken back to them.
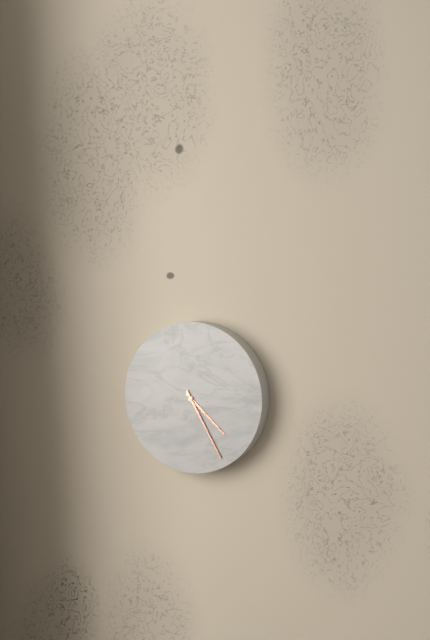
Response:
4.25
